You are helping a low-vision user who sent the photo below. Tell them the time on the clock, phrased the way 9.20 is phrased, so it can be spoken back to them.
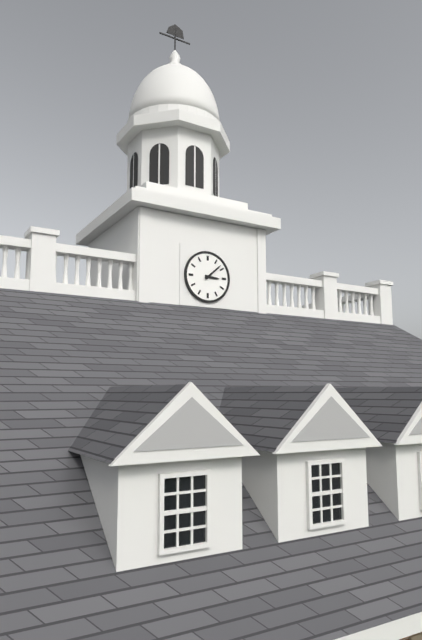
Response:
3.08
